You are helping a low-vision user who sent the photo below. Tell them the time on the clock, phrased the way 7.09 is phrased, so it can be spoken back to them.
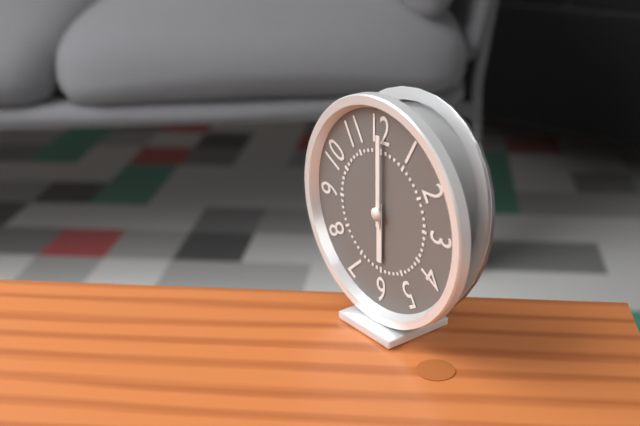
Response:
6.00
